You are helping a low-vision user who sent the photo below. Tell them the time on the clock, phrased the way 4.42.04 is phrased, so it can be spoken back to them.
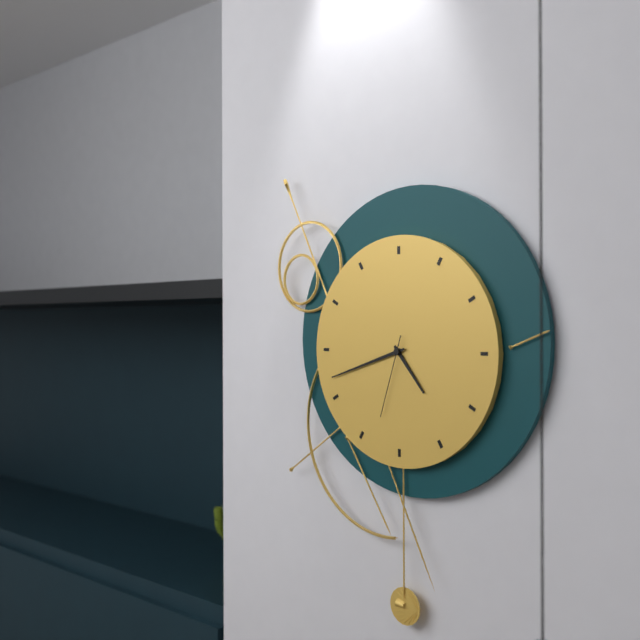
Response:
4.42.33
